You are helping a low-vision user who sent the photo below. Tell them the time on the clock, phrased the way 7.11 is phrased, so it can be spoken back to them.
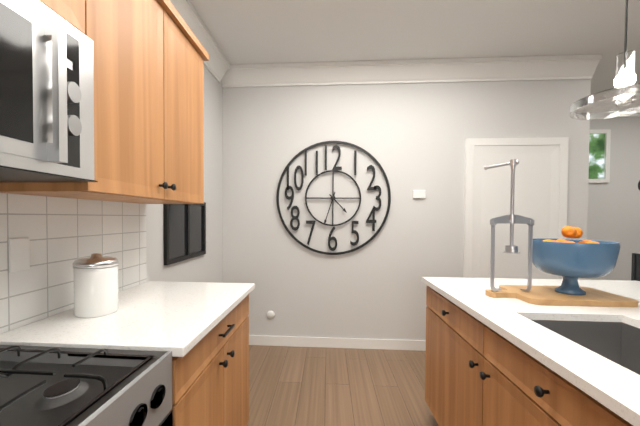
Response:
4.33
